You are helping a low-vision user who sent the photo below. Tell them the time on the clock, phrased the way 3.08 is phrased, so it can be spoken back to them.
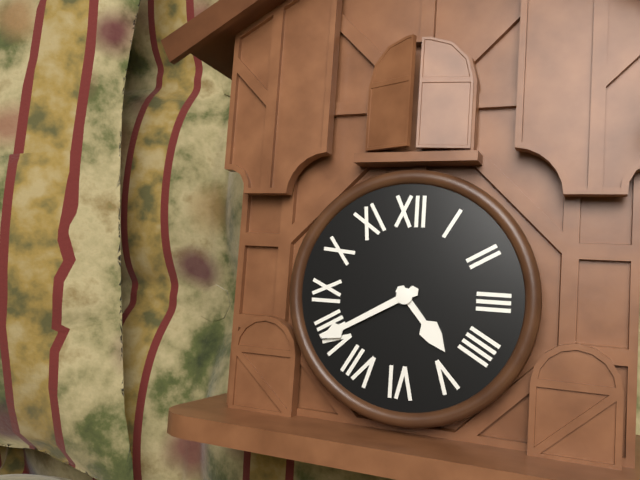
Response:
4.40
